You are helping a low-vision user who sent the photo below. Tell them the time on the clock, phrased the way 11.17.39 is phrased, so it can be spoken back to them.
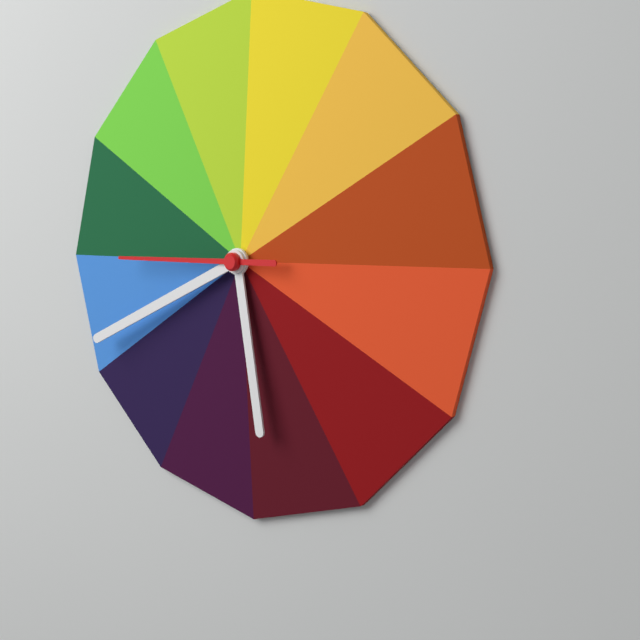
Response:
5.41.45
